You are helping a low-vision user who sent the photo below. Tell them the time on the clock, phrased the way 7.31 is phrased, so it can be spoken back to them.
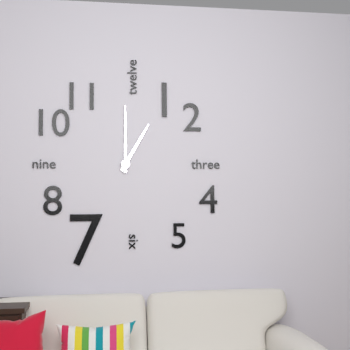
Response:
1.00
